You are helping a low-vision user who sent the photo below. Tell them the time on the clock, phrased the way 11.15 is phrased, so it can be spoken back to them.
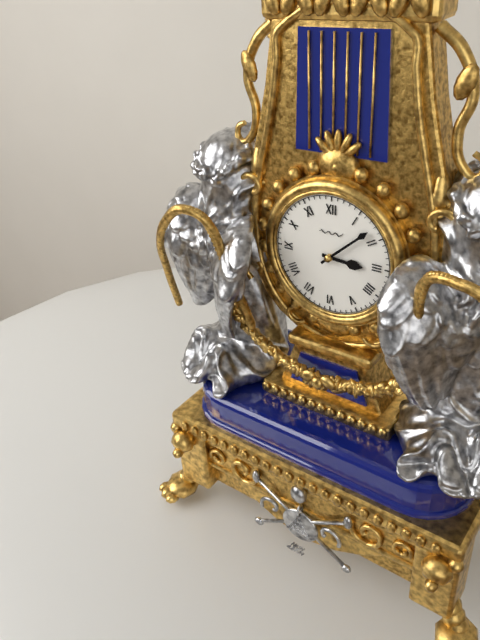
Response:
3.08
